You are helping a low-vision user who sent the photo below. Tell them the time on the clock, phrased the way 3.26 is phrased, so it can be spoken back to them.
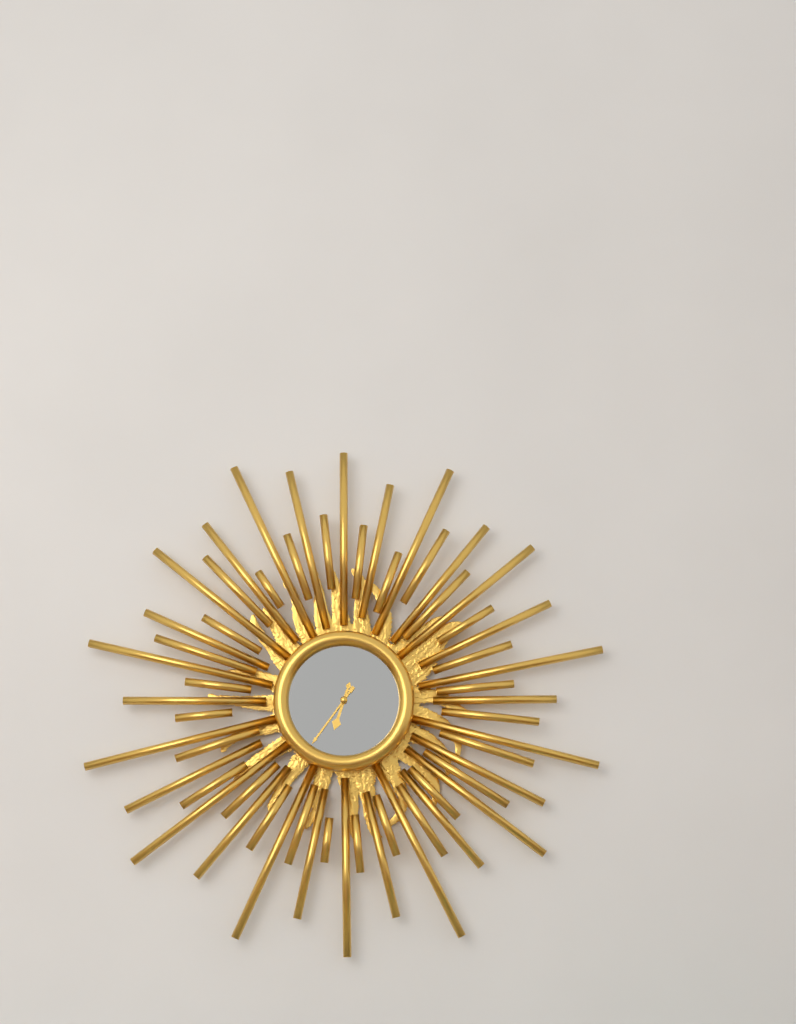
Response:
6.36
